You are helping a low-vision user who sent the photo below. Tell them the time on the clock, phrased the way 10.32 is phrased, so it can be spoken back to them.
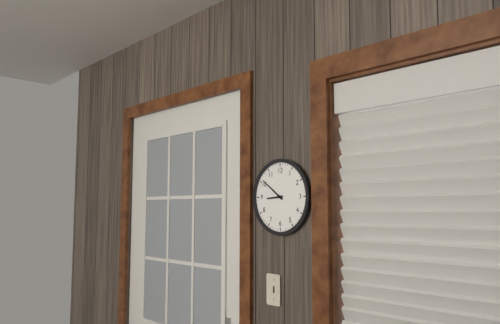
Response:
8.51
